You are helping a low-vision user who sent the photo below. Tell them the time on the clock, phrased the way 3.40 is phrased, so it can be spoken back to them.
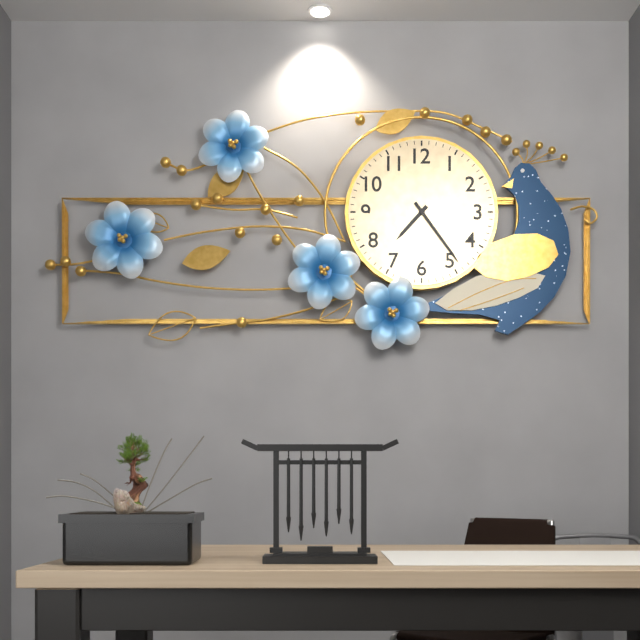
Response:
7.24
